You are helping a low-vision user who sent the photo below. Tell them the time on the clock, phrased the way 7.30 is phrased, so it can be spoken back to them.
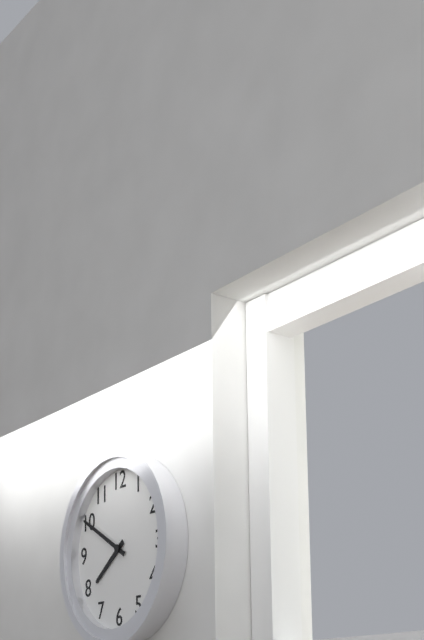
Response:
7.50
